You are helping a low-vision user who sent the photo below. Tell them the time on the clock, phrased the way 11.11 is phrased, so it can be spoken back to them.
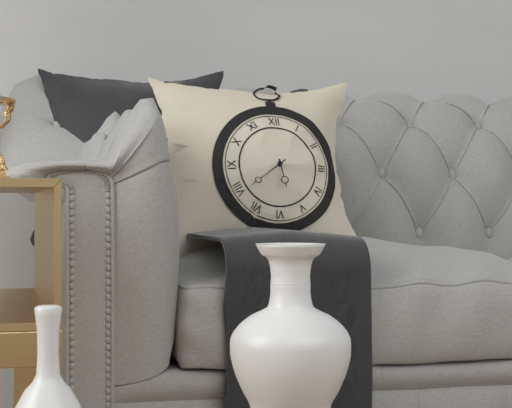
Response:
5.39
